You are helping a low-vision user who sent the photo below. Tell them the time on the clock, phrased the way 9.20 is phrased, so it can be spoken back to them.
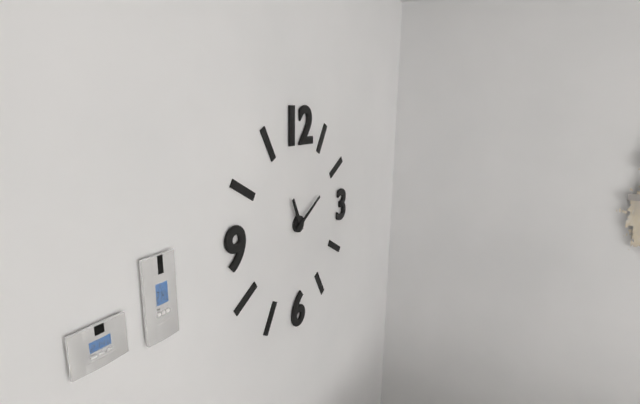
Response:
11.10
